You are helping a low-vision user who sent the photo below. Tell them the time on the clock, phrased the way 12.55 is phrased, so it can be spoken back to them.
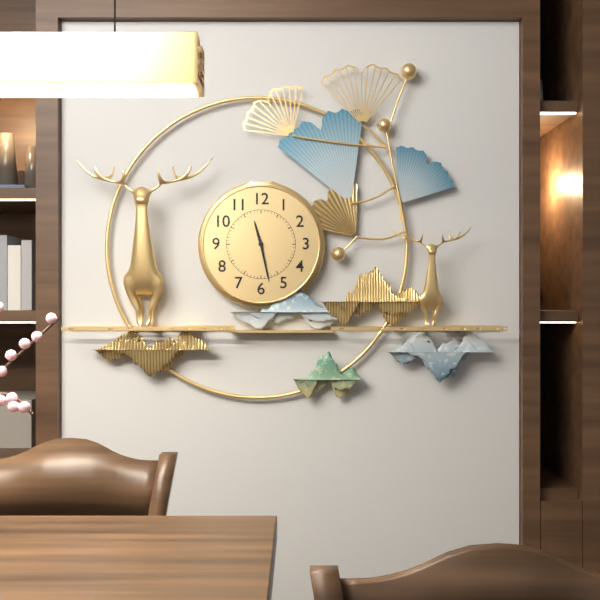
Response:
11.28
